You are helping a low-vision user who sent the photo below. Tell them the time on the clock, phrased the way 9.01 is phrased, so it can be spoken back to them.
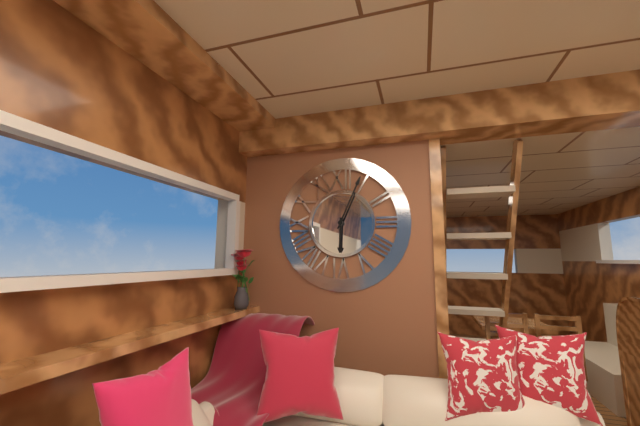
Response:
6.04
